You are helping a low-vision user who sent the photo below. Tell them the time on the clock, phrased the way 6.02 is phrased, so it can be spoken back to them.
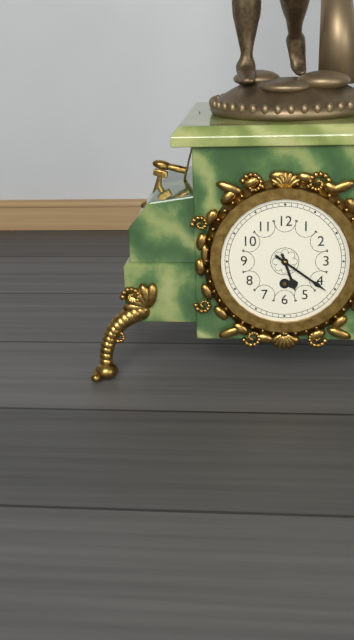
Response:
5.21
